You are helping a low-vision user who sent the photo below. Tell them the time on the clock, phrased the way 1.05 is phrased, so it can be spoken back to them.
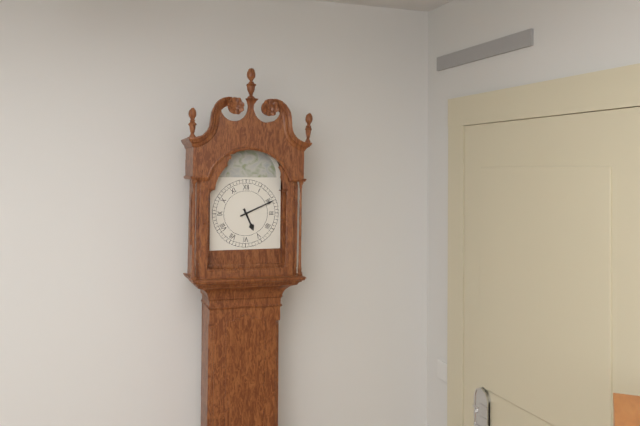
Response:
5.11
